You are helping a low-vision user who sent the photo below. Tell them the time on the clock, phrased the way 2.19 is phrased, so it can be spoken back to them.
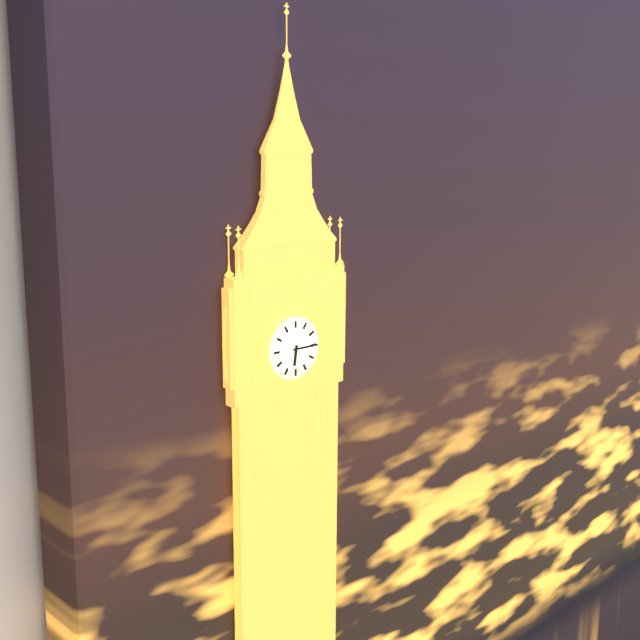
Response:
6.15
